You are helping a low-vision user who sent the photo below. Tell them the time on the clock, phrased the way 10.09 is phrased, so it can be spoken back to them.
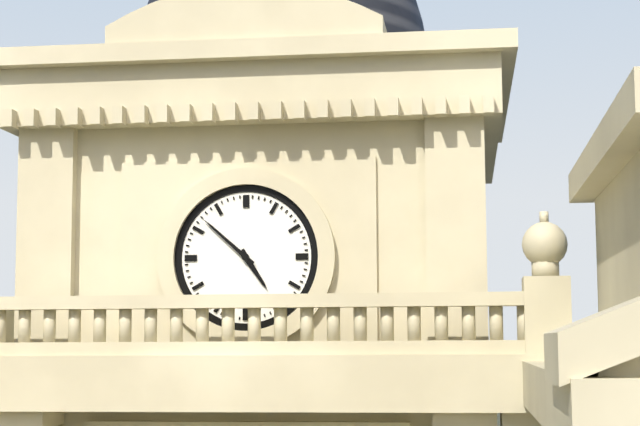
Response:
4.52
